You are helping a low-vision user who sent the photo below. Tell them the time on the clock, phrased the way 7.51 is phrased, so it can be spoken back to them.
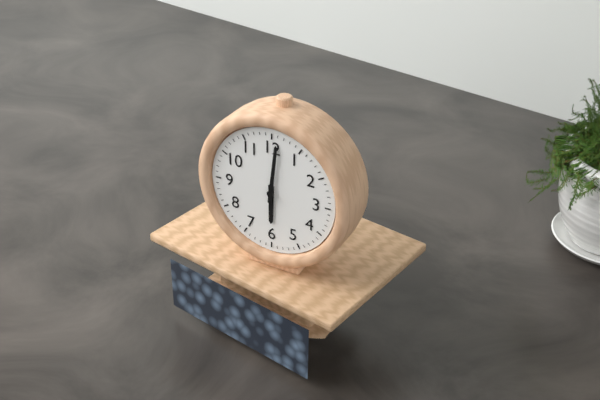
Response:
6.01
